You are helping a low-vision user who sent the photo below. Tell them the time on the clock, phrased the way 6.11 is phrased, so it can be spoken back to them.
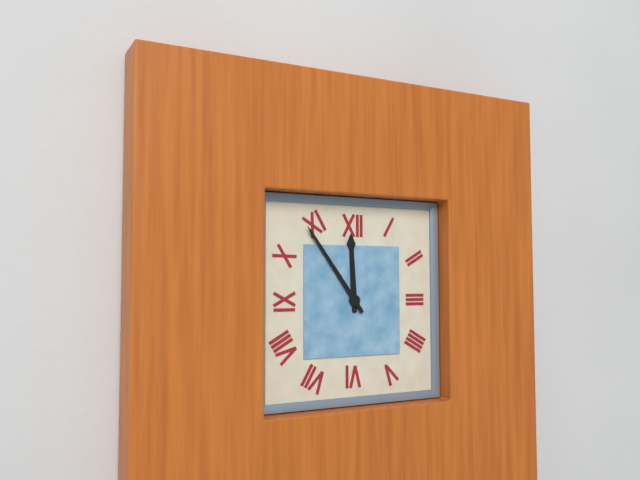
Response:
11.54
